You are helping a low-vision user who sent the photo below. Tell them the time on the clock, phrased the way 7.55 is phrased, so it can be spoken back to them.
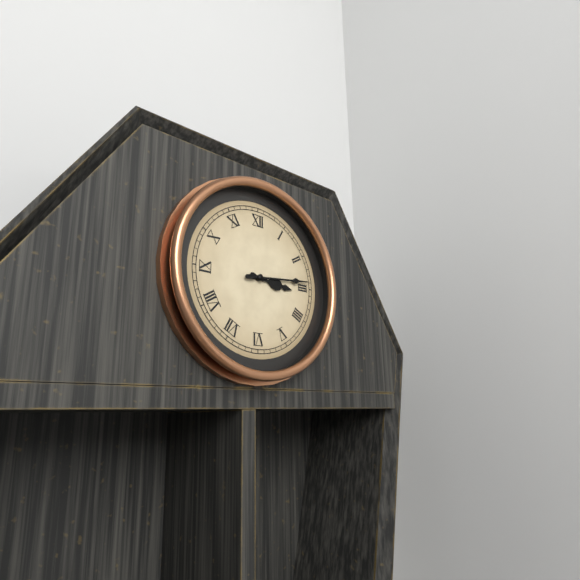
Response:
3.14
